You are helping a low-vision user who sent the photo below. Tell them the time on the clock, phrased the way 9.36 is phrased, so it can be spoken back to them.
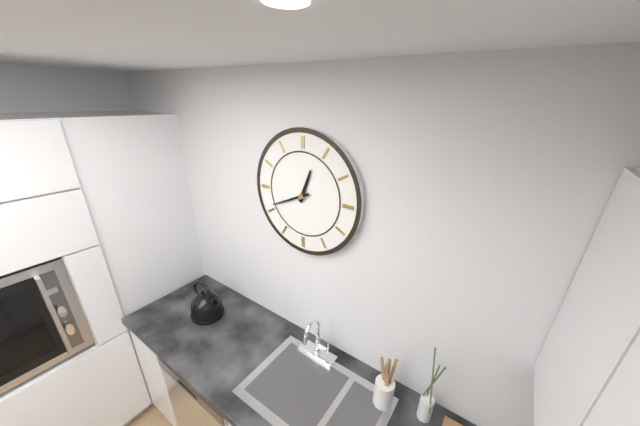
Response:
12.41
